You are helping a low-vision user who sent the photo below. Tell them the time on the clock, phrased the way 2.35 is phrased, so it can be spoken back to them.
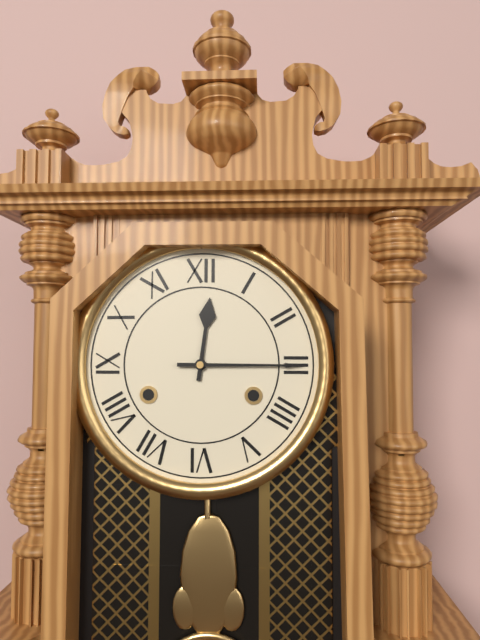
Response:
12.15
